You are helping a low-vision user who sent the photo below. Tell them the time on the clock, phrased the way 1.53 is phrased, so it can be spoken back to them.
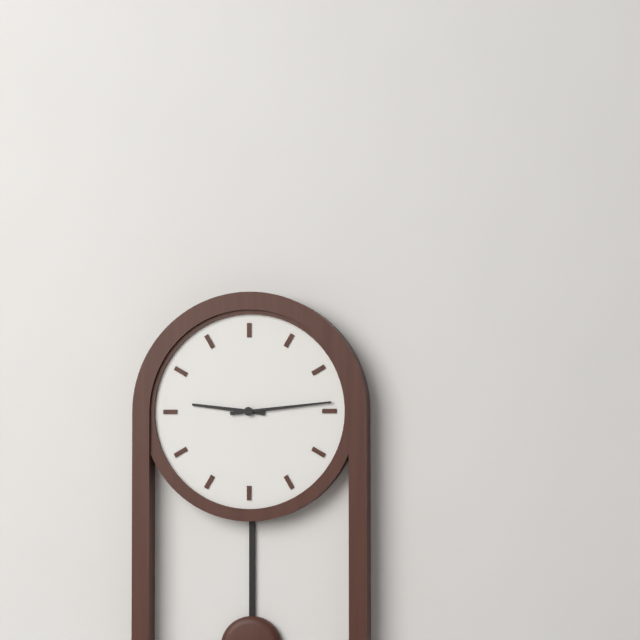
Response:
9.14
